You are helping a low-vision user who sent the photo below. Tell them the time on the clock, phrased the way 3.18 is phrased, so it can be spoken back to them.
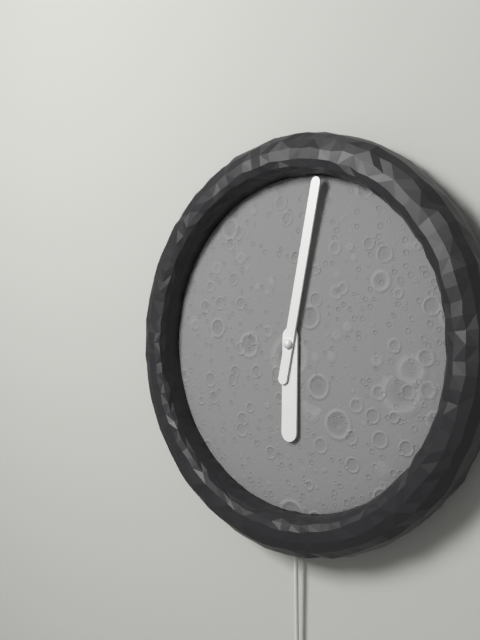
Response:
6.02
